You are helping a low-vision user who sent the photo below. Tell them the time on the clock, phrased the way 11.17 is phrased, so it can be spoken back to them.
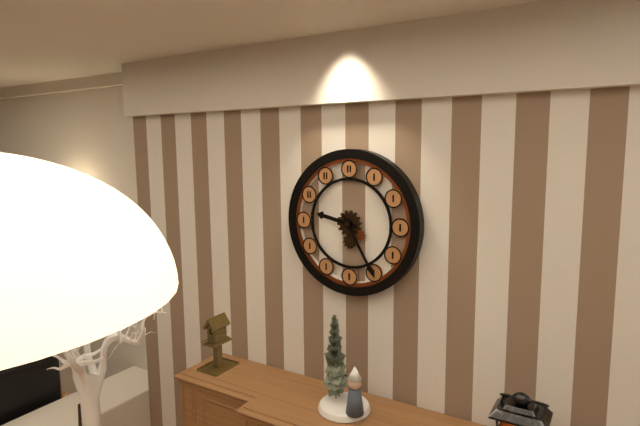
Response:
9.25
